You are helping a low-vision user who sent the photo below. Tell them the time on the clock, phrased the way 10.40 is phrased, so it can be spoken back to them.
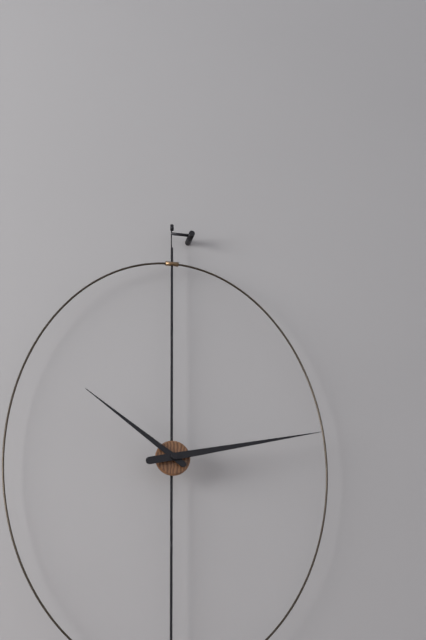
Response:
10.13
